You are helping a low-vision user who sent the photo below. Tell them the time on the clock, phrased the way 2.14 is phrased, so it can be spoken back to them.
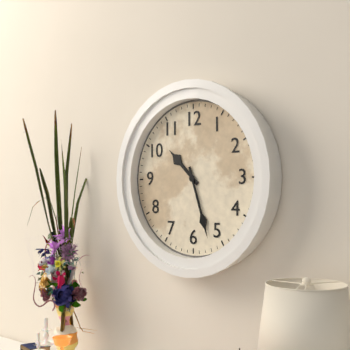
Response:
10.27
